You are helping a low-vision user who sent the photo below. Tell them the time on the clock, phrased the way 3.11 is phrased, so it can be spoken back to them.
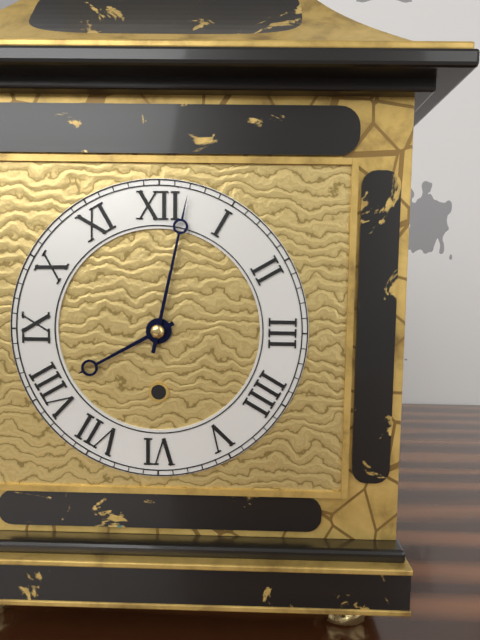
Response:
8.02
